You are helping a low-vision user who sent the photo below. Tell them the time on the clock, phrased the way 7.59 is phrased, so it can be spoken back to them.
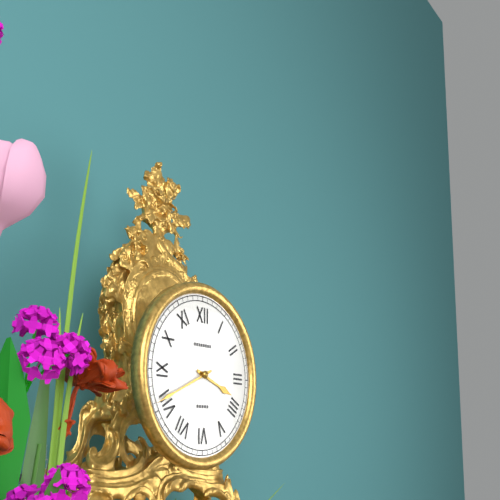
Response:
3.41
